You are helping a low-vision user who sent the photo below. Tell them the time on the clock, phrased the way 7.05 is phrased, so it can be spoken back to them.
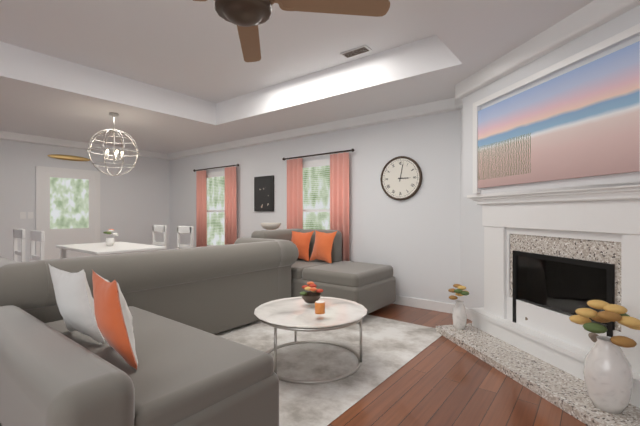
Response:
3.02
